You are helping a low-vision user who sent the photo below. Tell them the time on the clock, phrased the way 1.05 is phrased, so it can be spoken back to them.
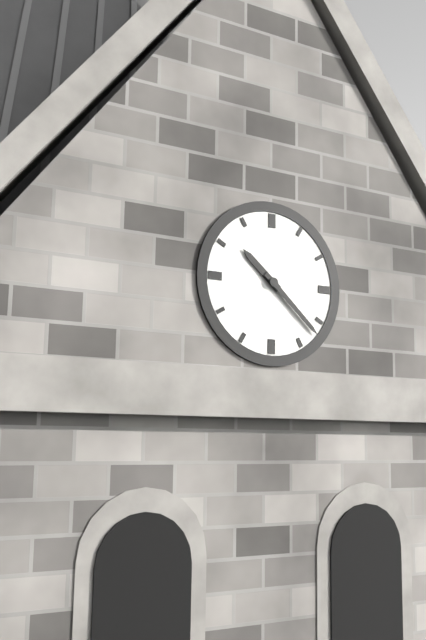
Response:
10.22
